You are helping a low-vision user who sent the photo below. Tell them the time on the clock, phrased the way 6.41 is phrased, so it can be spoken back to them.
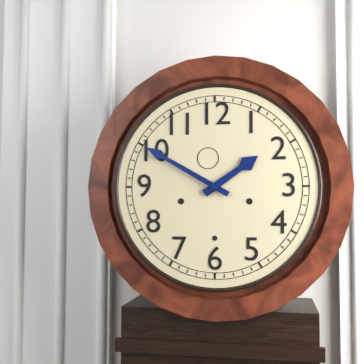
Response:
1.50
